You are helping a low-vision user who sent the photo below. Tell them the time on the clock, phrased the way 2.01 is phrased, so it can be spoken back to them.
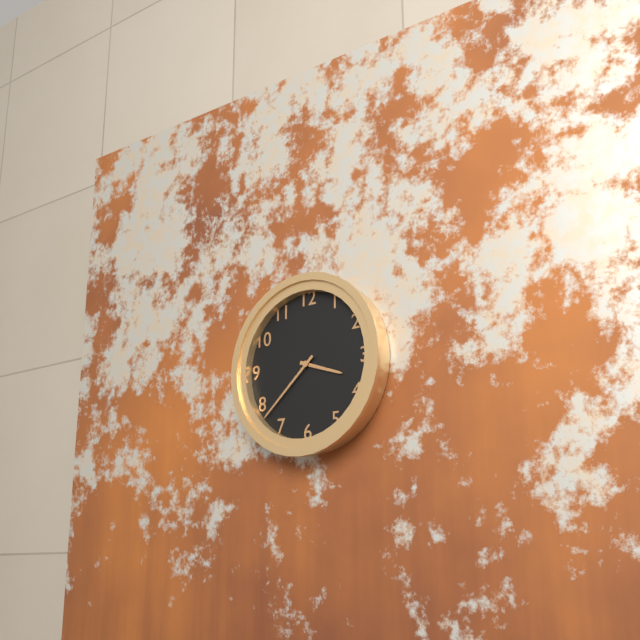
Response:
3.38
